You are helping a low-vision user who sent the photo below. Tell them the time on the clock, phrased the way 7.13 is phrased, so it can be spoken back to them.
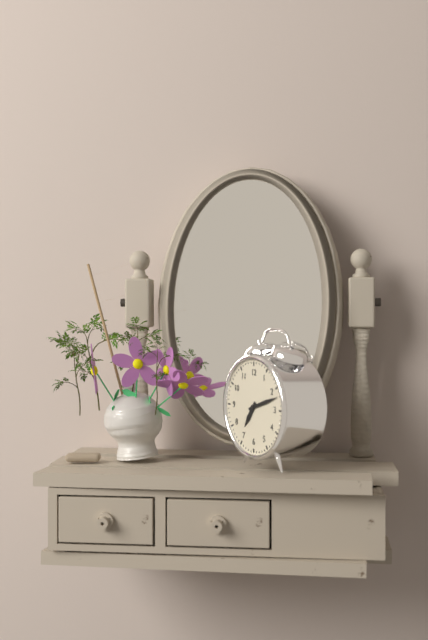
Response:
7.12
